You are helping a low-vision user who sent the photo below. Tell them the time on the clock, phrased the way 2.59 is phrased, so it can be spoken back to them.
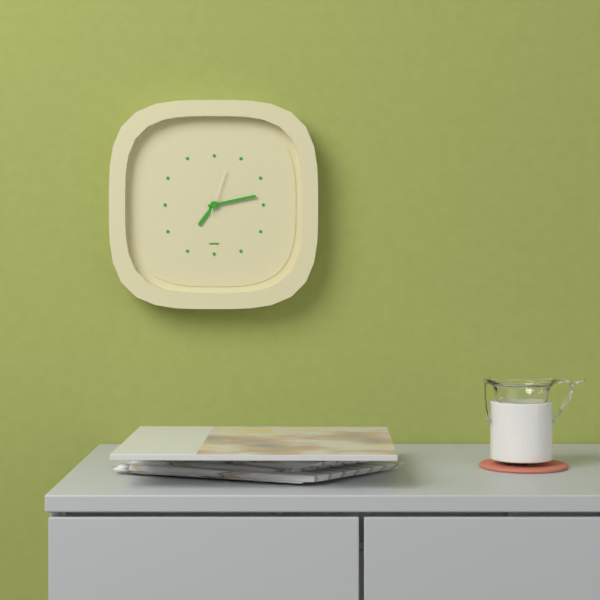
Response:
7.13
